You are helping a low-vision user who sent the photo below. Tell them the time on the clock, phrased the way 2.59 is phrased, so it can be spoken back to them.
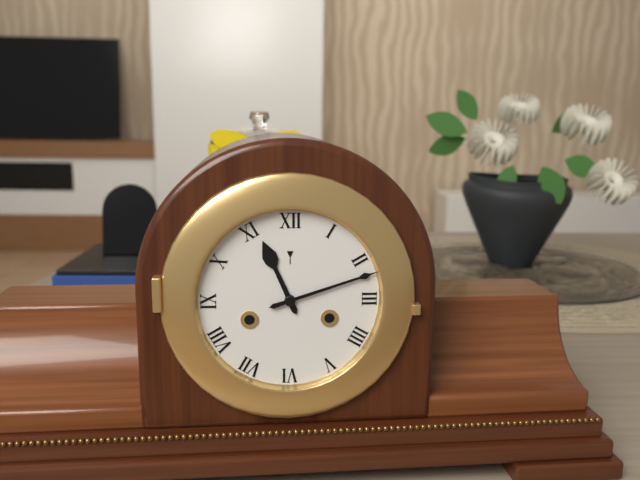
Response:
11.12
